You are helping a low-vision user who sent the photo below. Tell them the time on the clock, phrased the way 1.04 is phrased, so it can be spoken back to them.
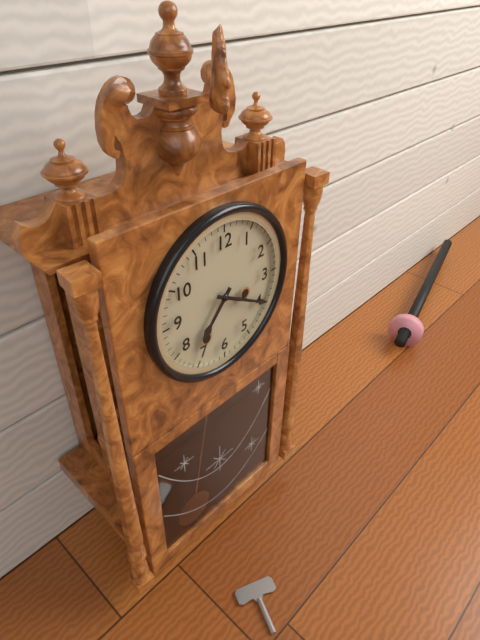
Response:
7.20
